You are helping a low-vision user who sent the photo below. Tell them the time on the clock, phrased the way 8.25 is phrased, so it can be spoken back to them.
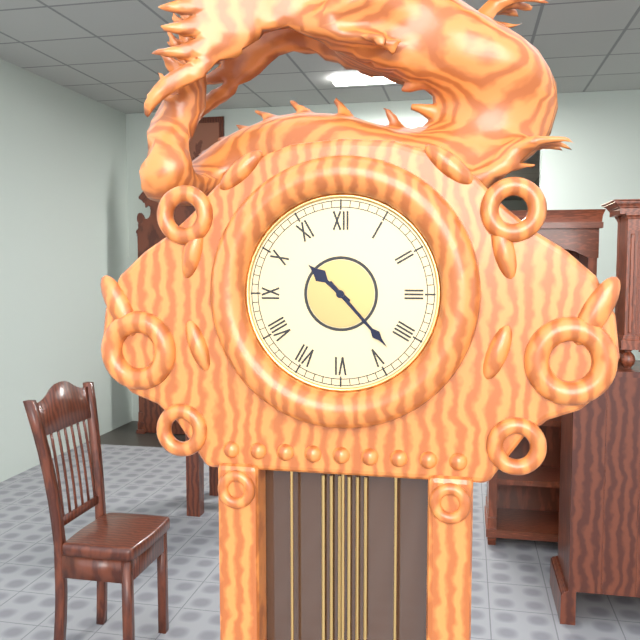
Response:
10.23
